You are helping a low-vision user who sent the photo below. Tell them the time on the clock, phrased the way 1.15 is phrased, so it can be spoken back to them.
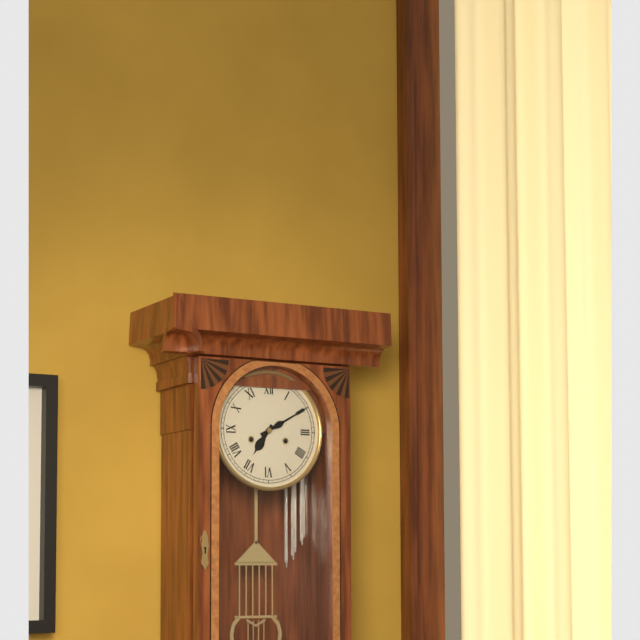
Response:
7.10
